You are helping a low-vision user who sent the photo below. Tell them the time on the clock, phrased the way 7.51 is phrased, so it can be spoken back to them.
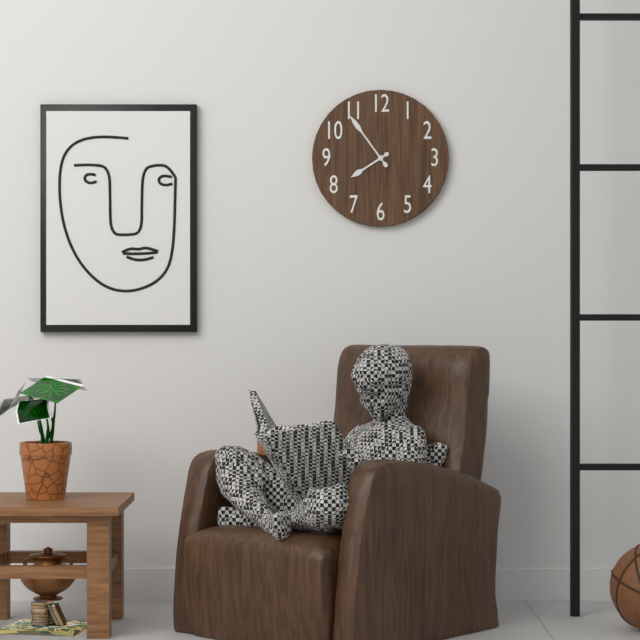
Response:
7.54
